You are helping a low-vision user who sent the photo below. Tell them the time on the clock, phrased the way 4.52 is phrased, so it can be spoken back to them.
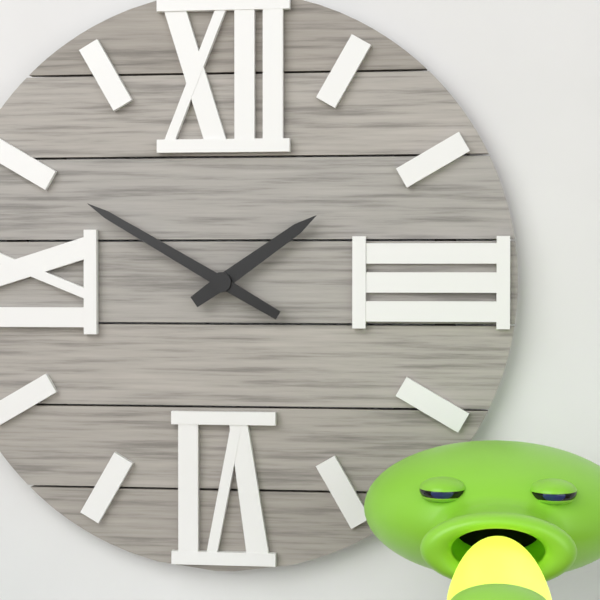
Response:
1.50
